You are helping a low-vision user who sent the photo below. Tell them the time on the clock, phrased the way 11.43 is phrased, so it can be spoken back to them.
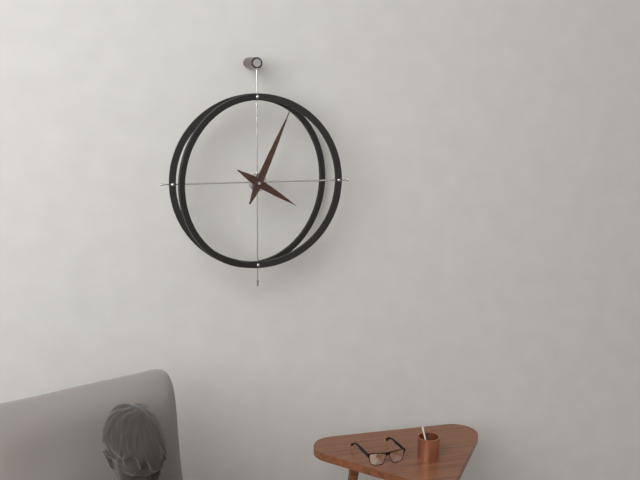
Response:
4.04
